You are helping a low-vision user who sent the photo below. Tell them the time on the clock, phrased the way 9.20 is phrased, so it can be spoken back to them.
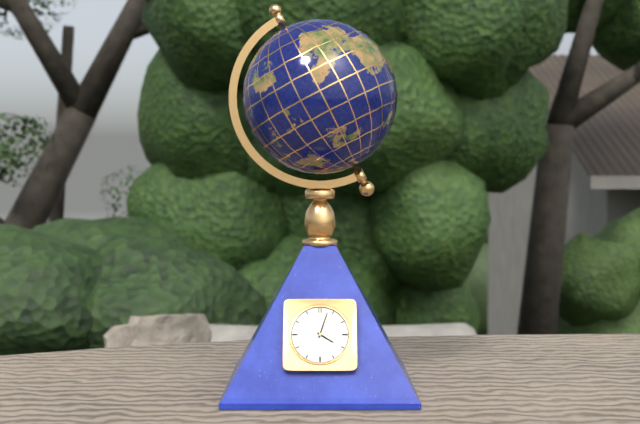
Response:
4.03
